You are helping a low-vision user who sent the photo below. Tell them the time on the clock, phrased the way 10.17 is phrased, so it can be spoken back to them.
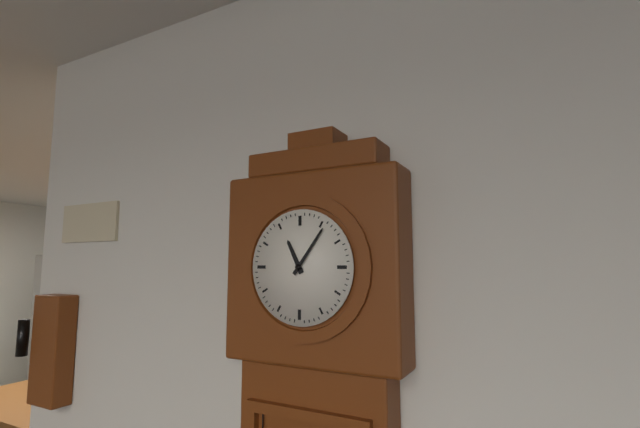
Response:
11.06
